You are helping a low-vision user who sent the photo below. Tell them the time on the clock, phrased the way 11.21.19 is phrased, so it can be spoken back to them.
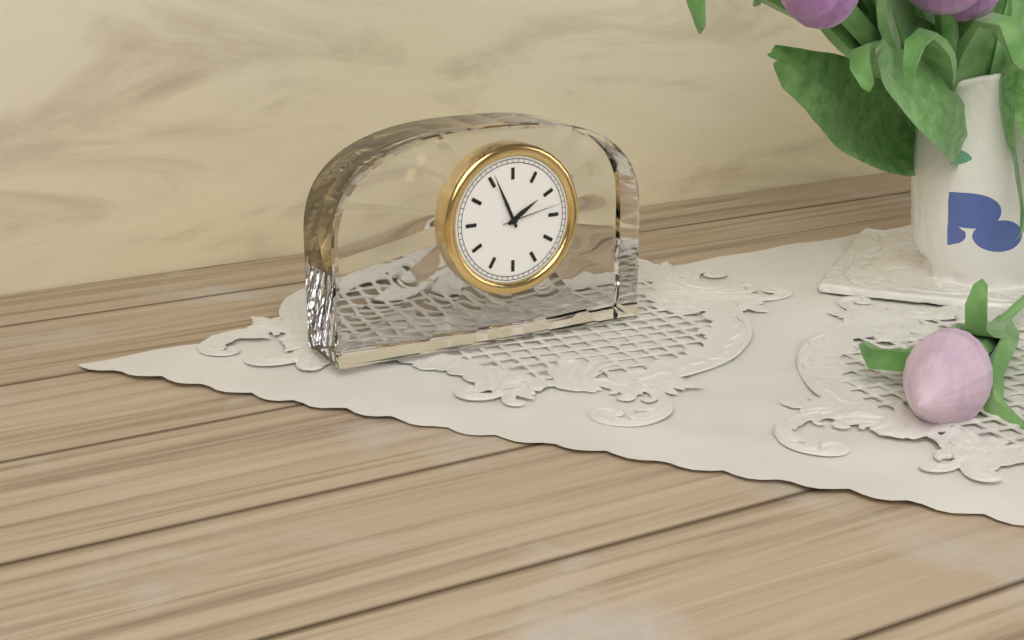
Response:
1.56.13
